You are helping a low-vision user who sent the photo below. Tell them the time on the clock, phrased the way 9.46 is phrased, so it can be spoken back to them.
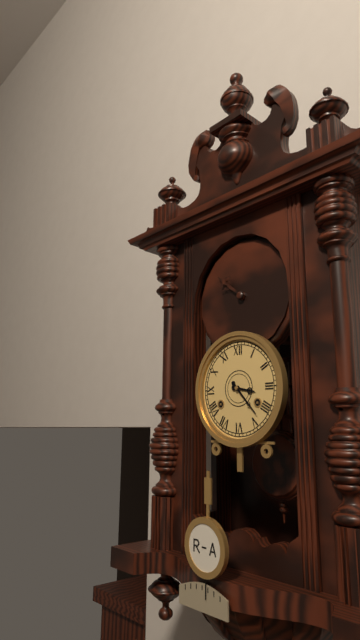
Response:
3.23
